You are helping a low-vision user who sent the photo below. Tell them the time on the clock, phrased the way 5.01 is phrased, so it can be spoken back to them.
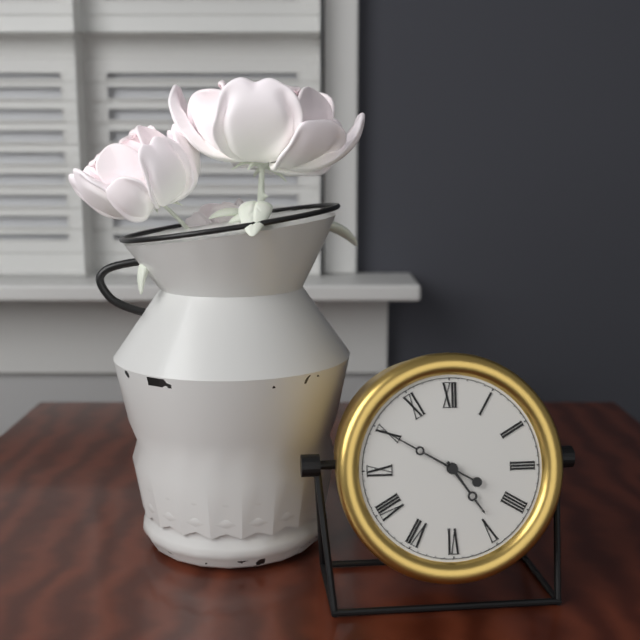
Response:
4.50
